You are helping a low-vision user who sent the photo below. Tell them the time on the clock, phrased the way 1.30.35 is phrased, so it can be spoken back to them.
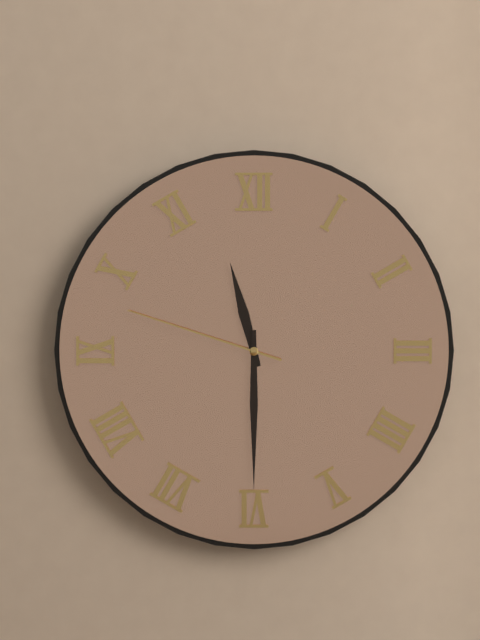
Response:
11.30.48
